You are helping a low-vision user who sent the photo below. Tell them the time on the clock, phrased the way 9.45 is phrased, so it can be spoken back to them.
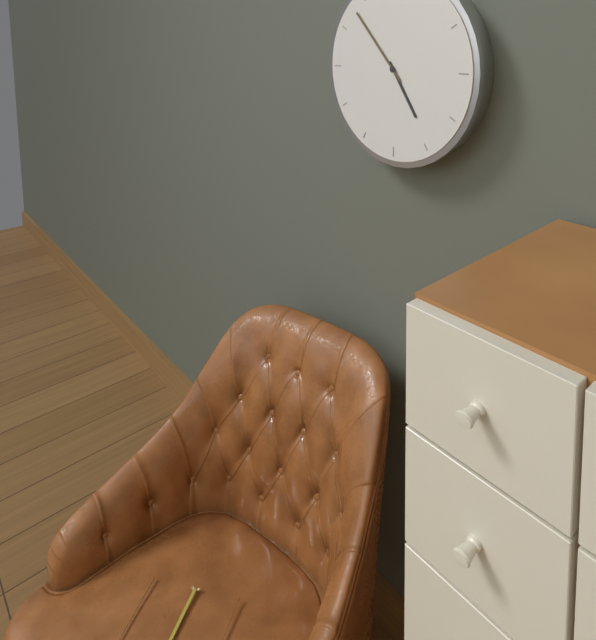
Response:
4.53
